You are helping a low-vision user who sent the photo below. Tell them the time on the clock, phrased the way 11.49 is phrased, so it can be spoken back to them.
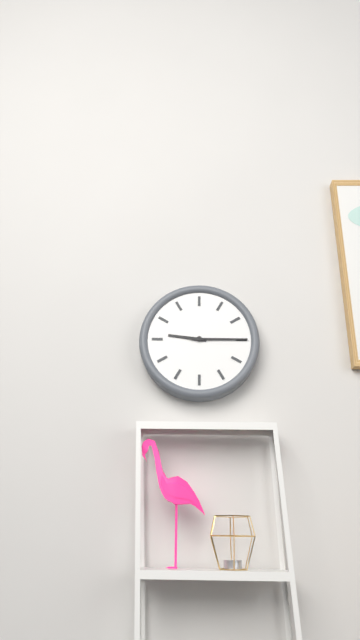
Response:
9.15
